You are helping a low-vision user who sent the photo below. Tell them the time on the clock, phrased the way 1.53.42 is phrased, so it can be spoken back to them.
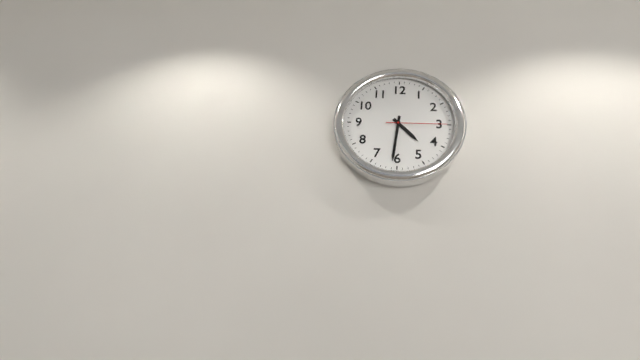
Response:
4.31.15
